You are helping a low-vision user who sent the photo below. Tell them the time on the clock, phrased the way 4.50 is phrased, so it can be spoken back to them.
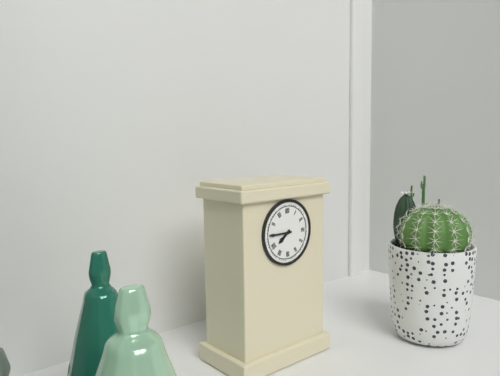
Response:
7.45
